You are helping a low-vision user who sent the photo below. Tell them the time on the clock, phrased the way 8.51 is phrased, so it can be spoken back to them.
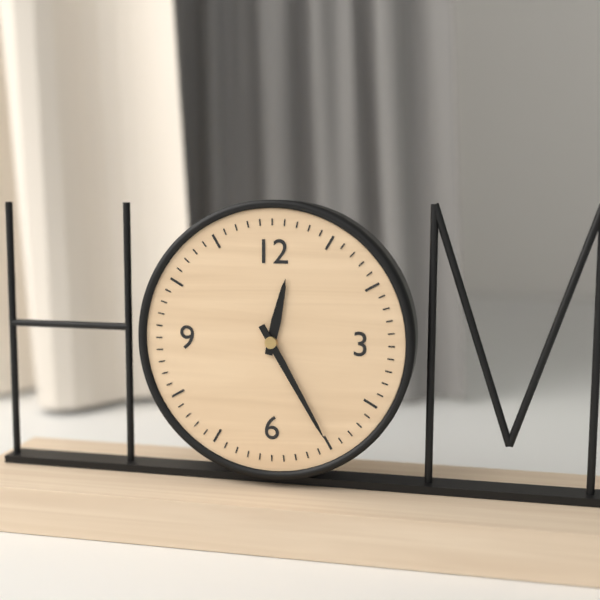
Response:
12.25
